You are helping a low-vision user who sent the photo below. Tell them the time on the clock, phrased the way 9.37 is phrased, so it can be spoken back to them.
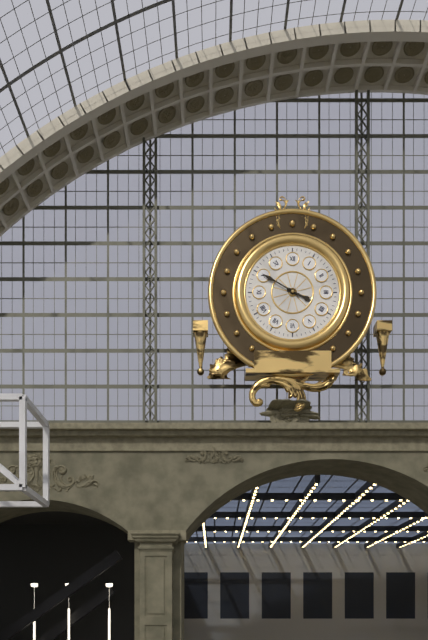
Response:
3.50
